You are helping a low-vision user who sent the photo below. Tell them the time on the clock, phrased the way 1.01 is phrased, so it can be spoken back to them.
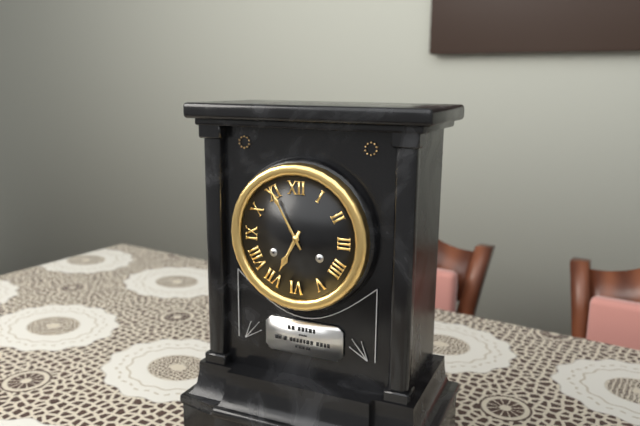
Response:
6.55
